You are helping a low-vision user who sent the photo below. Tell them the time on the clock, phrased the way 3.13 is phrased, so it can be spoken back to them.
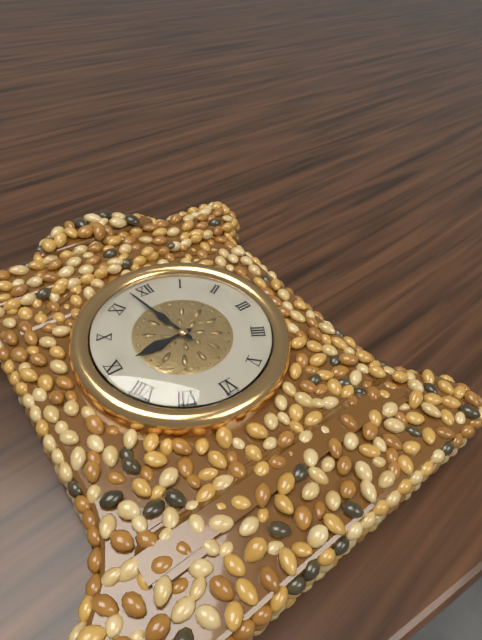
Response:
8.58
